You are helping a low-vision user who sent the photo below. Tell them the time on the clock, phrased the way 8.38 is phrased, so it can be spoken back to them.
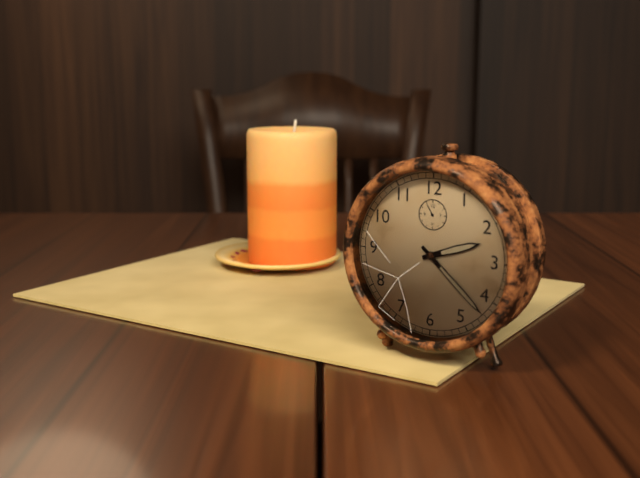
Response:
2.22
